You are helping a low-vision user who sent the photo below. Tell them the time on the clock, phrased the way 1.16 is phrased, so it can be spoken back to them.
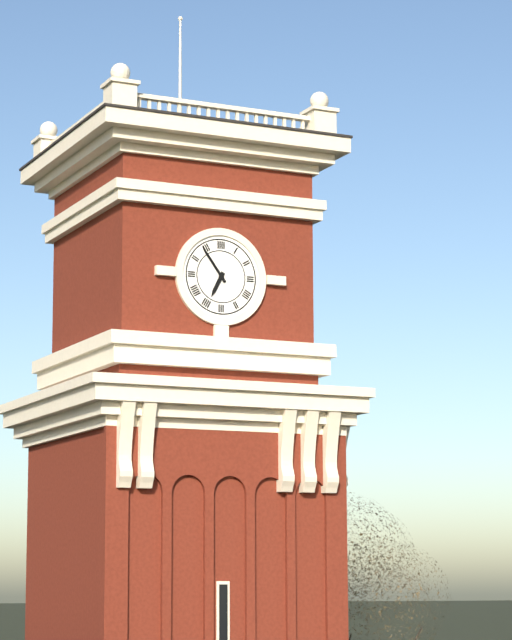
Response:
6.54
